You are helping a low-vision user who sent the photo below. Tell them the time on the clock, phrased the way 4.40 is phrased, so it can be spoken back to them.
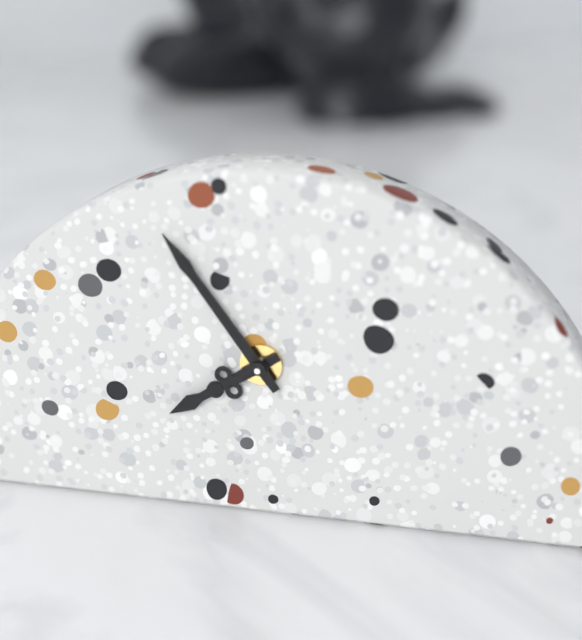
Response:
7.54
